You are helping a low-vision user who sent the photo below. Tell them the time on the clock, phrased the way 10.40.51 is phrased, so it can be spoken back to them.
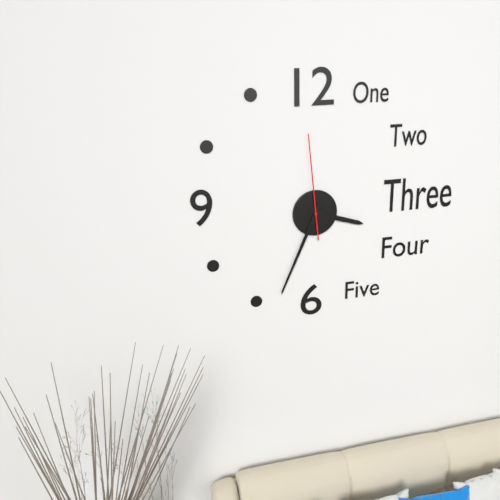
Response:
3.34.59
